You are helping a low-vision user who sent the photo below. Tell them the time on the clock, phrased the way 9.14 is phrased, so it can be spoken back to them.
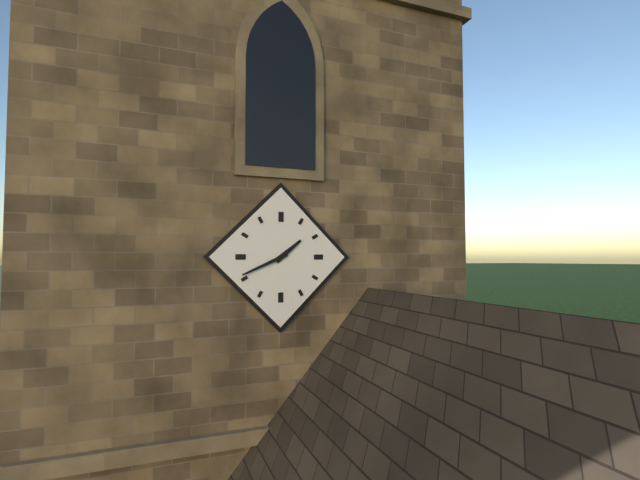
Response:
1.41
